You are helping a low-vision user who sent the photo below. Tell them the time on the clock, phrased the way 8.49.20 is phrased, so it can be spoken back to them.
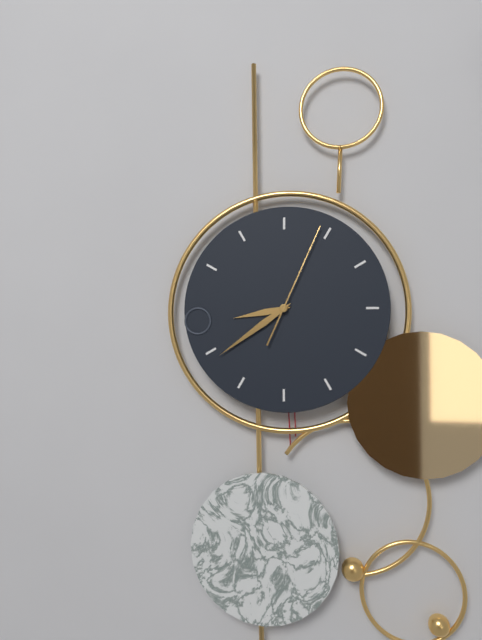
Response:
8.39.04
